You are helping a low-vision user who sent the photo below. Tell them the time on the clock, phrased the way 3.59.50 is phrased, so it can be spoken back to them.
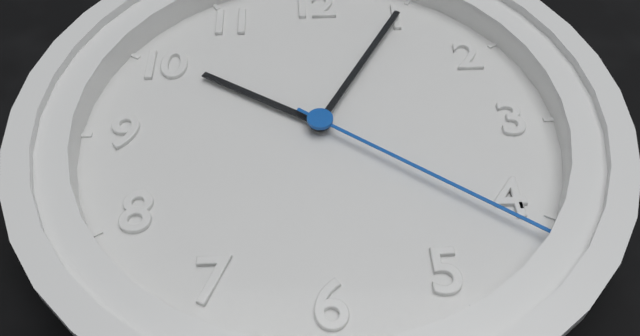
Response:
10.05.21
